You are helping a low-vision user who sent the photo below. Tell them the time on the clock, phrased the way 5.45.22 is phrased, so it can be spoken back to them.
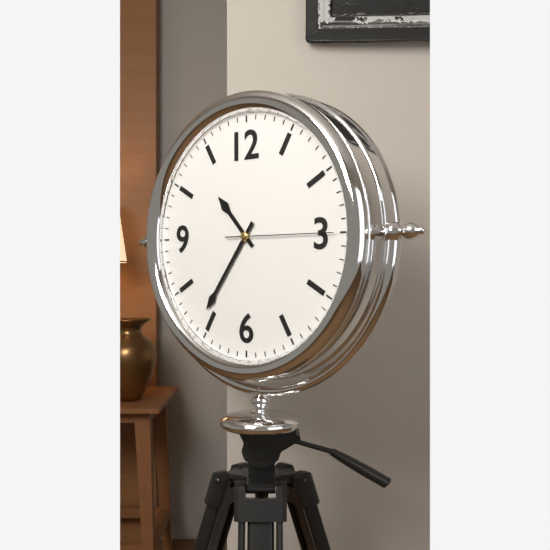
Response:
10.36.15
